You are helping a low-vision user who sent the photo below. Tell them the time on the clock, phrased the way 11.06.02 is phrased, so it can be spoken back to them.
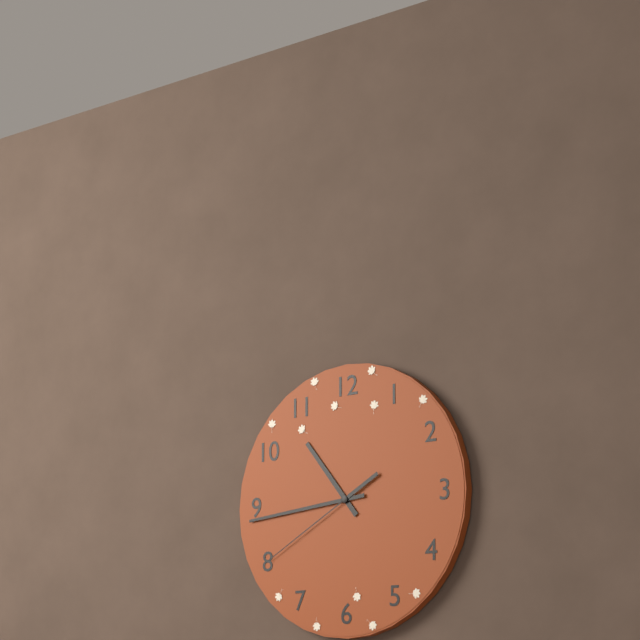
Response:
10.44.40
